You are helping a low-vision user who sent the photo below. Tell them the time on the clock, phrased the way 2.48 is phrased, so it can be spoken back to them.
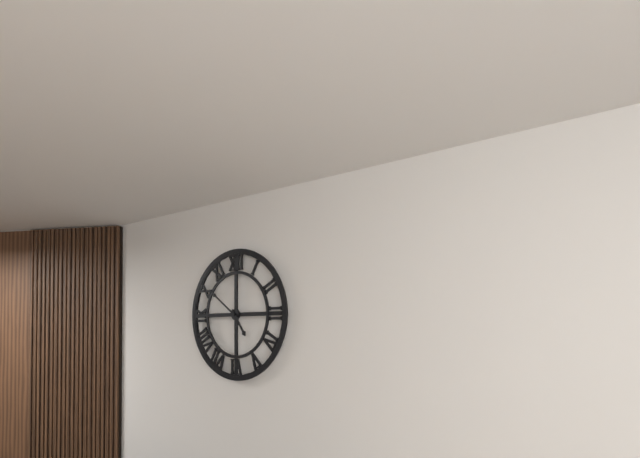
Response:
4.51
